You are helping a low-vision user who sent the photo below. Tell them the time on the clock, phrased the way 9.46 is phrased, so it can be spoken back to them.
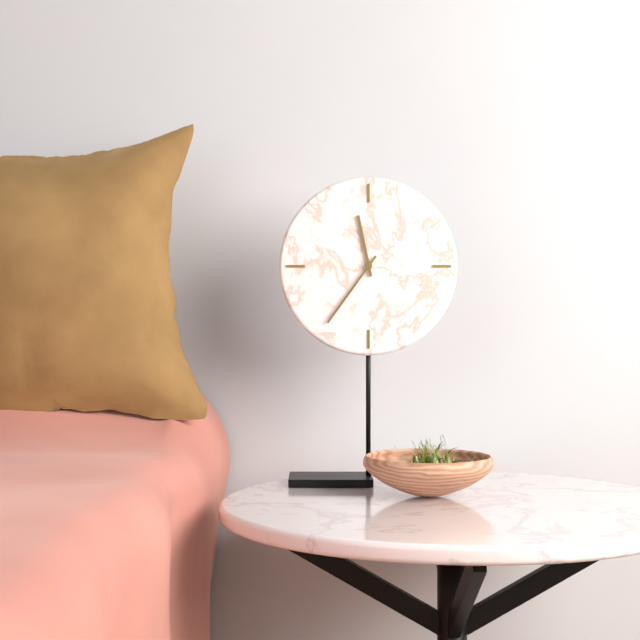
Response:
11.36
